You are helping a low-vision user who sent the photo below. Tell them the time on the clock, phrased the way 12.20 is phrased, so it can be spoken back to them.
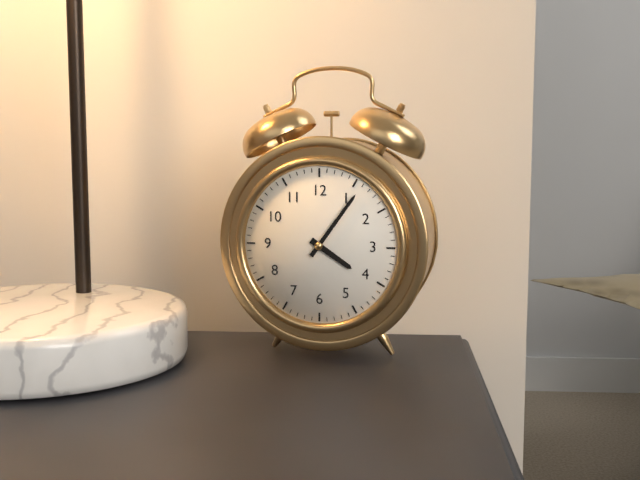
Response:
4.06
